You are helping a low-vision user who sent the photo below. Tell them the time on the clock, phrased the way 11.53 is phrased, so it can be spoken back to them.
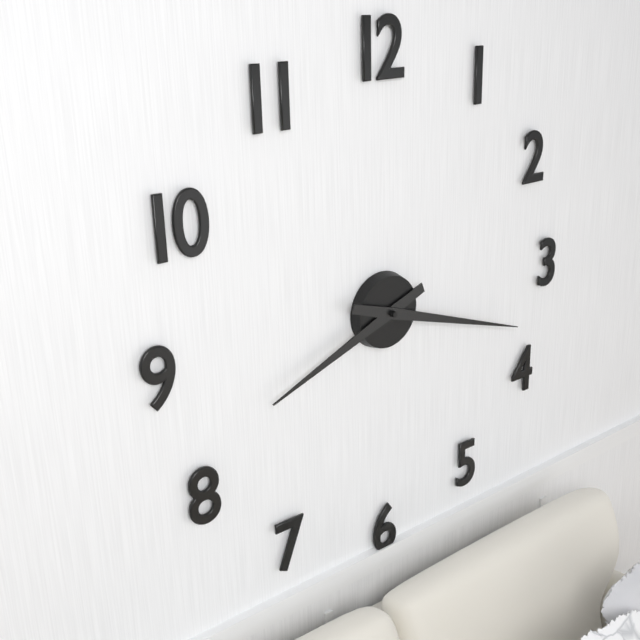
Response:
8.18
